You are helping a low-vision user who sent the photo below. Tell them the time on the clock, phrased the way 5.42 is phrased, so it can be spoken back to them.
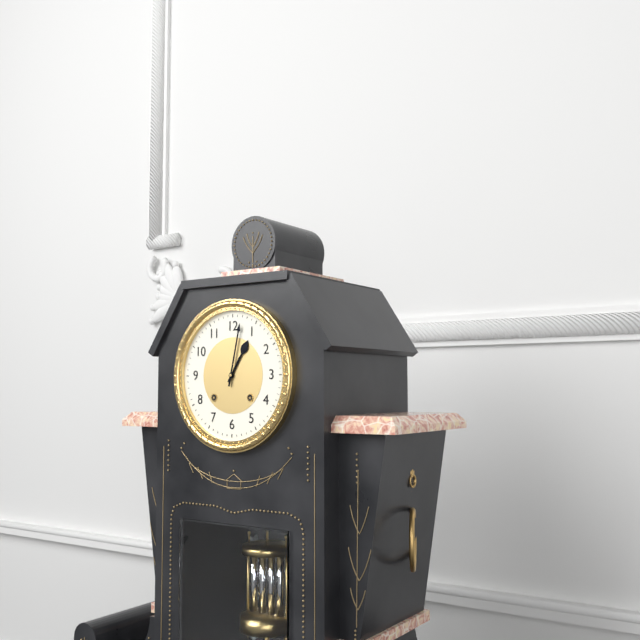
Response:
1.02
